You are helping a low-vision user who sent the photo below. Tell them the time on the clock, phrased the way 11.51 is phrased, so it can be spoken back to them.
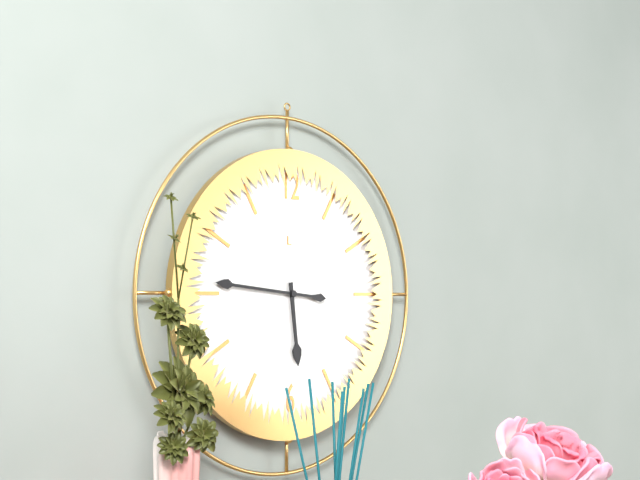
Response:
5.46
